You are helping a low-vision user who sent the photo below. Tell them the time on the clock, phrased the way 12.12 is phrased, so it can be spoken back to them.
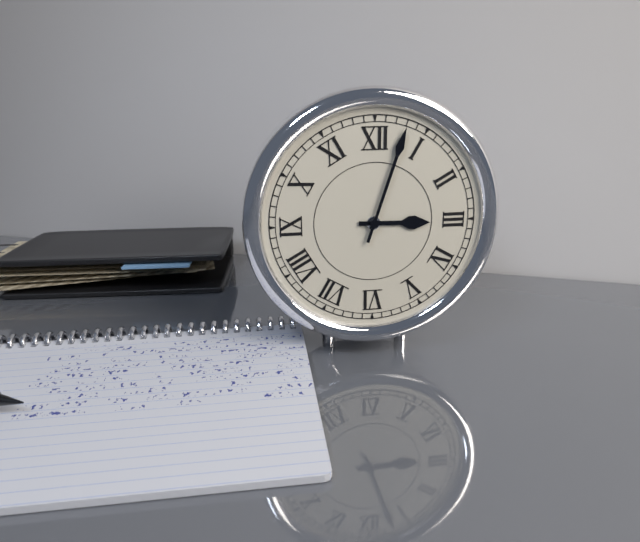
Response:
3.03
